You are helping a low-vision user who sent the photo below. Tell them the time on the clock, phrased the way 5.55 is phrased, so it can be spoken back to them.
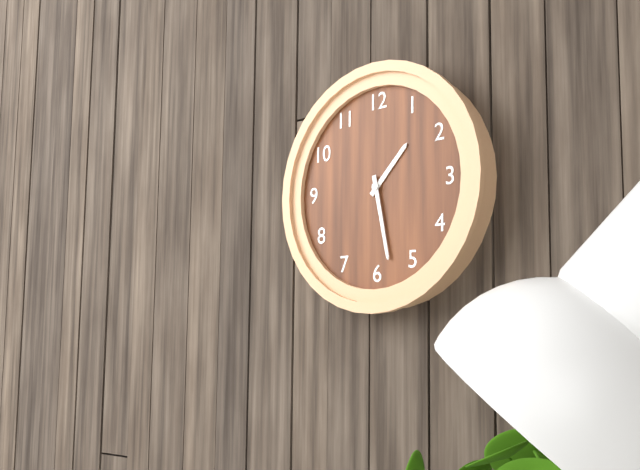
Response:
1.28
